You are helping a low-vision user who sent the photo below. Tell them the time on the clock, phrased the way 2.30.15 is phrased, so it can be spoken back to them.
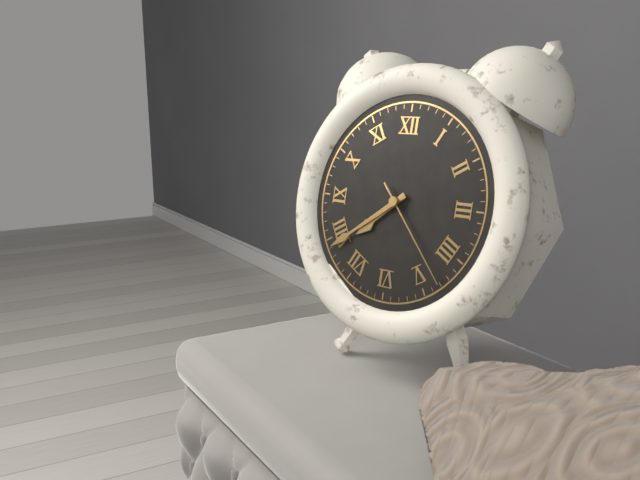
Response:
7.39.23
